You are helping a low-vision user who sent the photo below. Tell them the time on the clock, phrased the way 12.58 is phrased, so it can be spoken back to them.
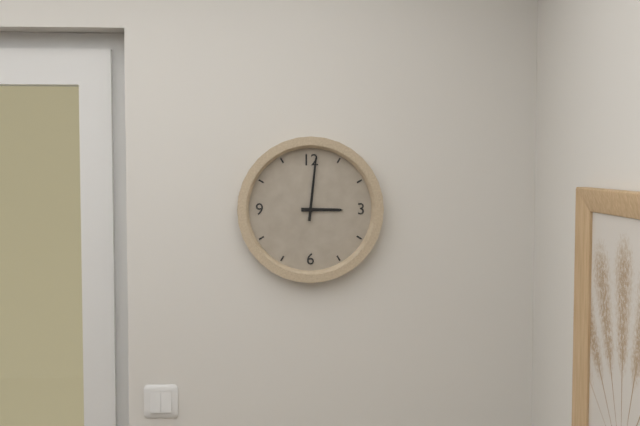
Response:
3.01
